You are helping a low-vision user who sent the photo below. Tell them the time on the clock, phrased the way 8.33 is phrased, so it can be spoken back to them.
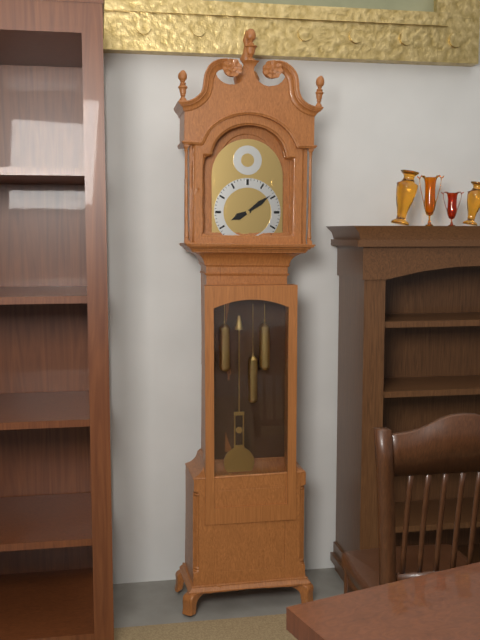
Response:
8.09
